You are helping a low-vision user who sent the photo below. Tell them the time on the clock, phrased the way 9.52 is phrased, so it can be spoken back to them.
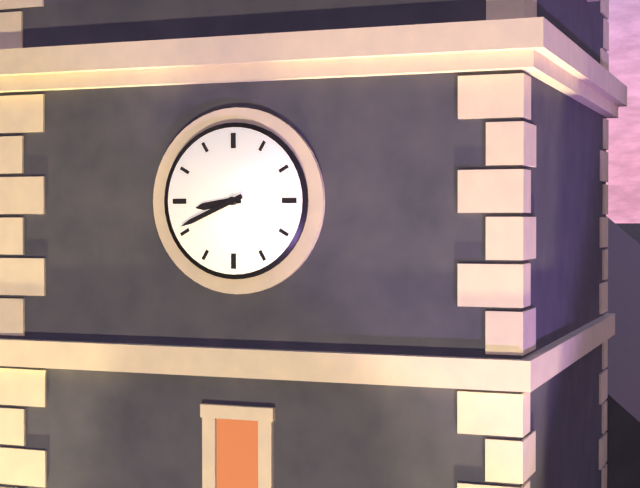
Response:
8.41
